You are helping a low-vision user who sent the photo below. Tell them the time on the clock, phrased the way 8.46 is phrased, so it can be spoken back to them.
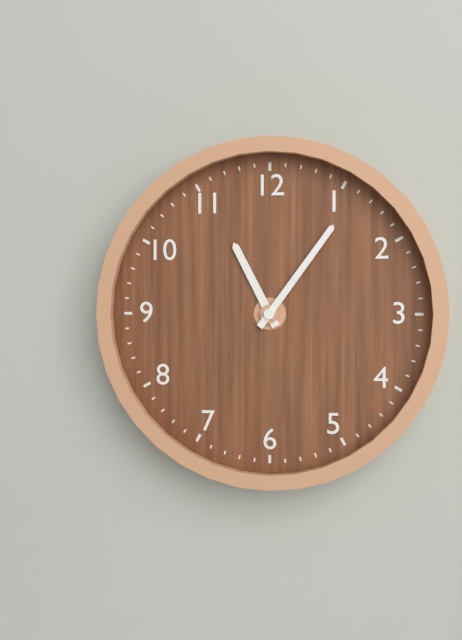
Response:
11.06
